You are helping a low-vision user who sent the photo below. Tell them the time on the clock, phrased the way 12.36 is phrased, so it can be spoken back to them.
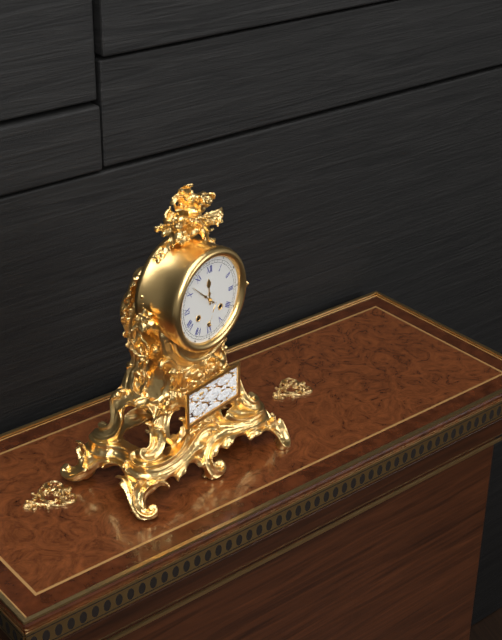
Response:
11.52
